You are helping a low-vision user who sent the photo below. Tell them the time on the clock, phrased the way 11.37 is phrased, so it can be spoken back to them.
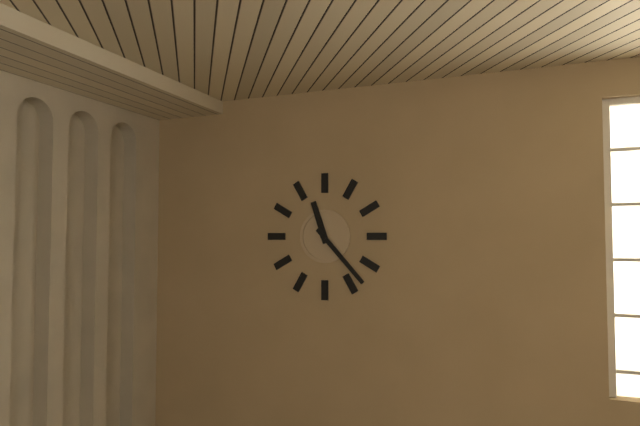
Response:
11.23
